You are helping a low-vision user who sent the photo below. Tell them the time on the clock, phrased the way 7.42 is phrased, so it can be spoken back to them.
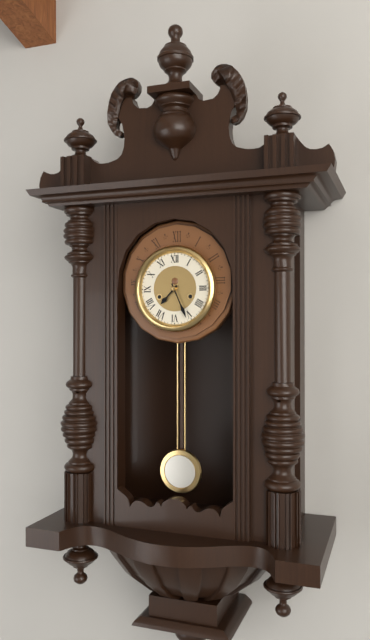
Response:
7.26
